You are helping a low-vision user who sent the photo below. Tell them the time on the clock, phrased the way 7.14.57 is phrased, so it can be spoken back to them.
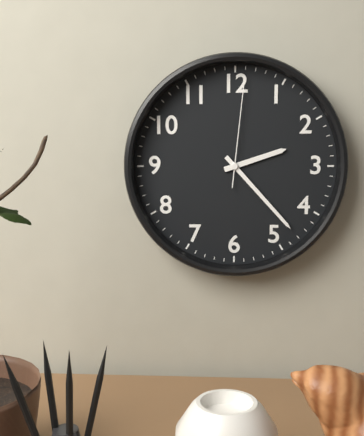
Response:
2.23.01
